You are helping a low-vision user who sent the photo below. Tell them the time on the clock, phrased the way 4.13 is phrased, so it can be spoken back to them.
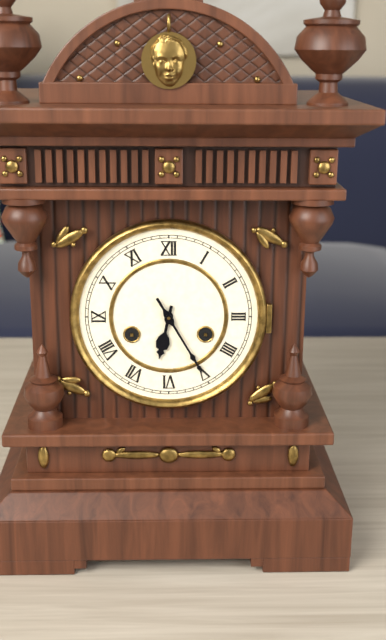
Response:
6.25
